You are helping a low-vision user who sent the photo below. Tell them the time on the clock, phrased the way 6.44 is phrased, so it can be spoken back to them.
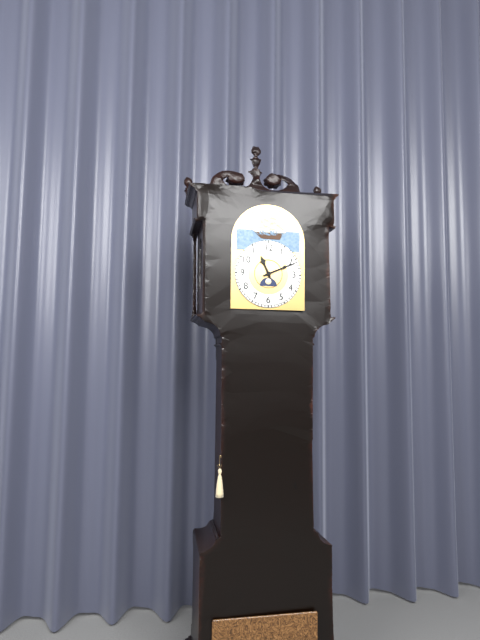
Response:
11.11
